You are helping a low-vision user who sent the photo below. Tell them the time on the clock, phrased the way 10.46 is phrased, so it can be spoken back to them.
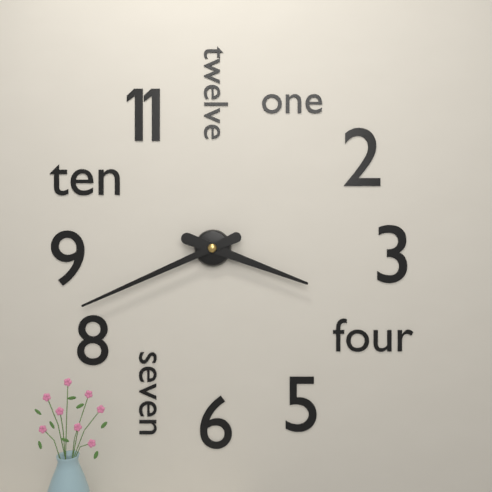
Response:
3.41
